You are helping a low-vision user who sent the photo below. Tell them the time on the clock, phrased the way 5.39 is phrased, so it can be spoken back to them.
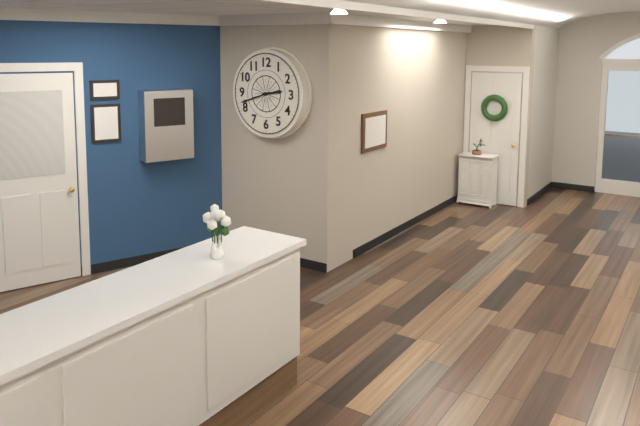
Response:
2.42
